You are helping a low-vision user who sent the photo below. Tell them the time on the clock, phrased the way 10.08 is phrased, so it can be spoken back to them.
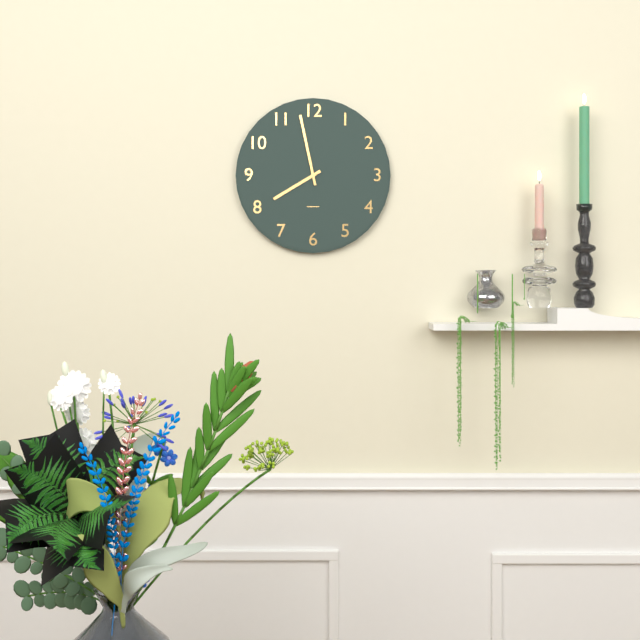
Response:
7.58
